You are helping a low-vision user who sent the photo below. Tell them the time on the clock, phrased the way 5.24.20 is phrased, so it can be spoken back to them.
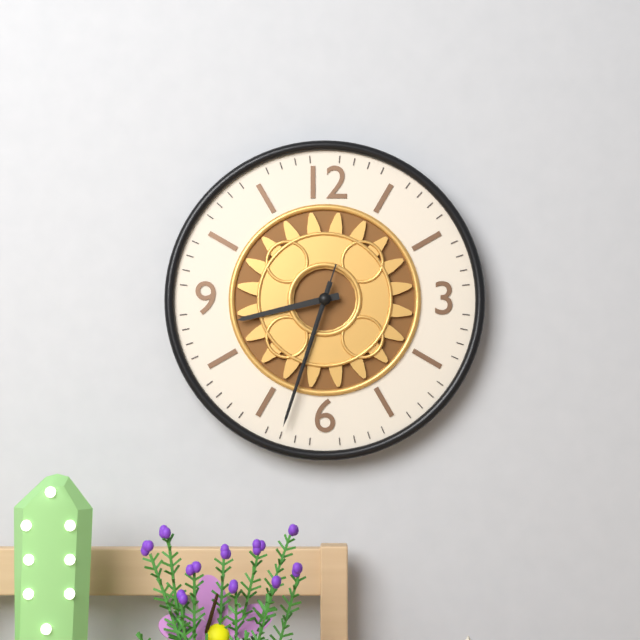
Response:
8.33.33
